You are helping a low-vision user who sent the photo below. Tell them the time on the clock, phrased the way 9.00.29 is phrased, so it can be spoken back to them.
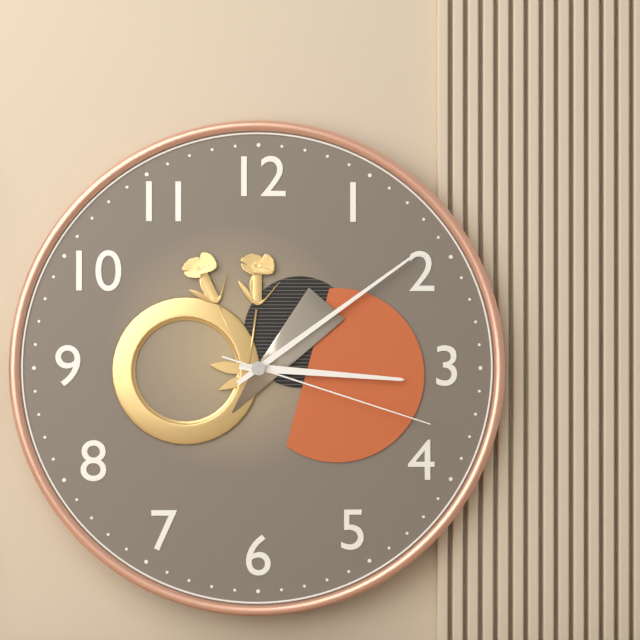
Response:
3.09.18
